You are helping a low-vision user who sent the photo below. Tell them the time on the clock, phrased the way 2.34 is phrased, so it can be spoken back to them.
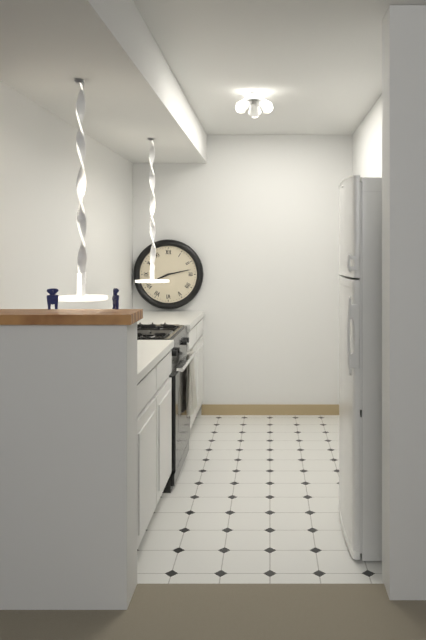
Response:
8.13
